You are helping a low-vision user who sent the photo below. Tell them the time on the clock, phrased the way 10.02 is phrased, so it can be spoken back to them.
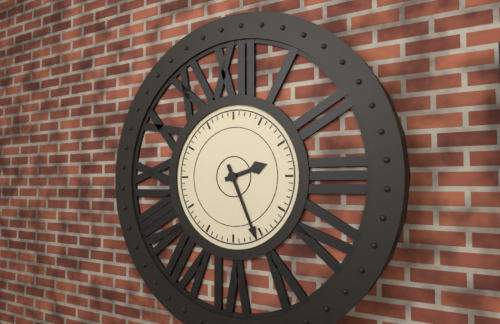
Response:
2.26
